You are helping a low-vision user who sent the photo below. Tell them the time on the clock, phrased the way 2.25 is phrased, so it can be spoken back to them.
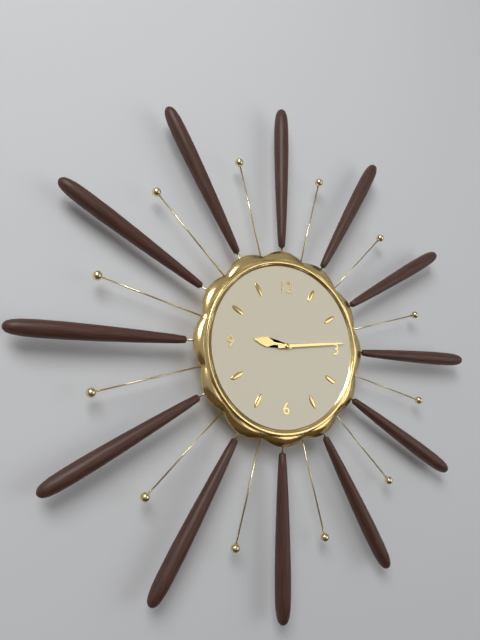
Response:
9.14
